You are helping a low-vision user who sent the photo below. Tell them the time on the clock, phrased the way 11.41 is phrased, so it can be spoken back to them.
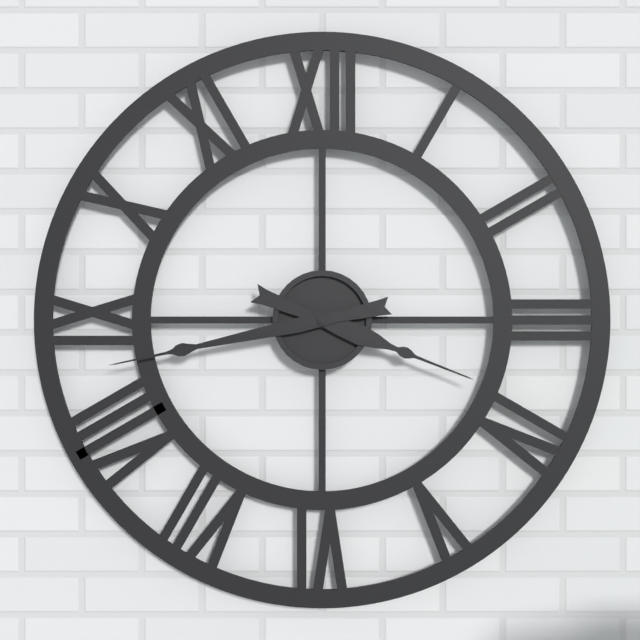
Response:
3.43
